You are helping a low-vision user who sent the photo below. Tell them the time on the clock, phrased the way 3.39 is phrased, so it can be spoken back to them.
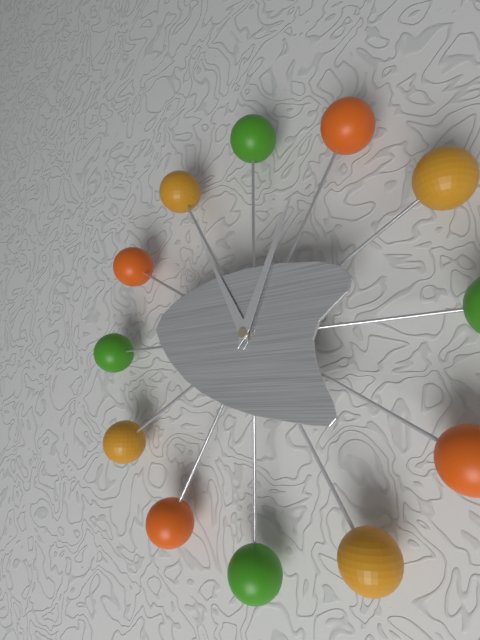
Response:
11.04
